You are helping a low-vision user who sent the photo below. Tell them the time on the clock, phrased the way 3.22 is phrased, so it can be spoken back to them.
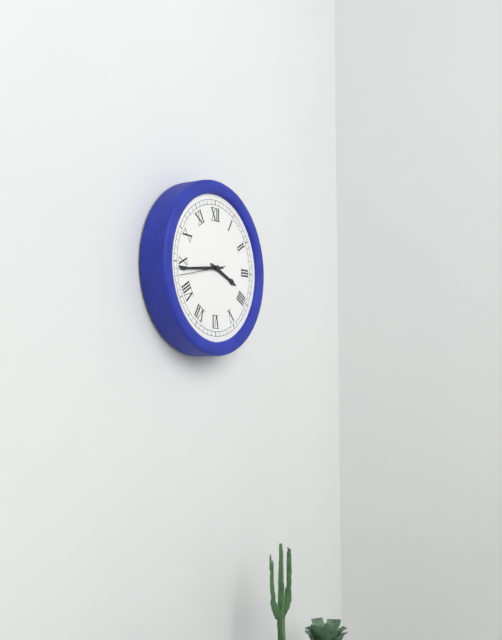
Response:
3.44
